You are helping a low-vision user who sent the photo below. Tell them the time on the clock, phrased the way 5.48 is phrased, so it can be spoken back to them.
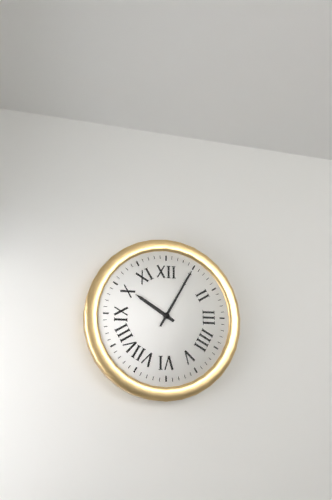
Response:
10.05
